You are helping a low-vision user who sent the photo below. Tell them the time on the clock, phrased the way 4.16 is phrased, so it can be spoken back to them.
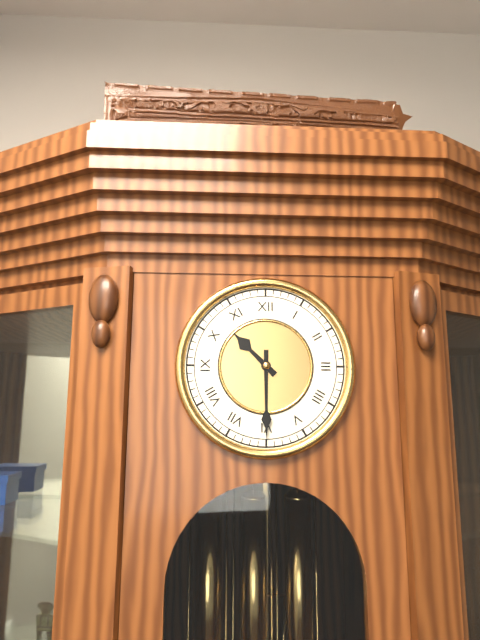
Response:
10.30
